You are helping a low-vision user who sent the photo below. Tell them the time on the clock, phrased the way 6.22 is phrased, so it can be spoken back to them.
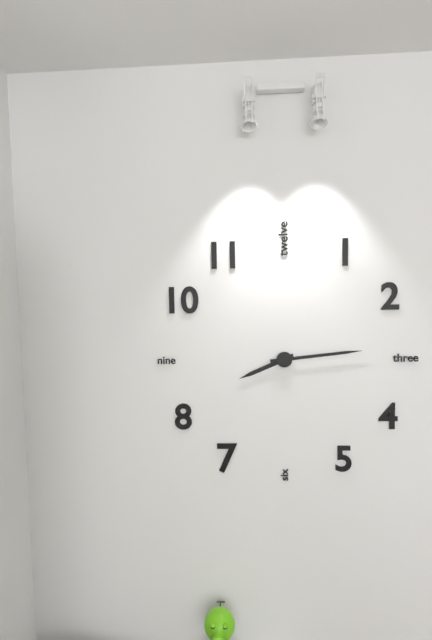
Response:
8.14
